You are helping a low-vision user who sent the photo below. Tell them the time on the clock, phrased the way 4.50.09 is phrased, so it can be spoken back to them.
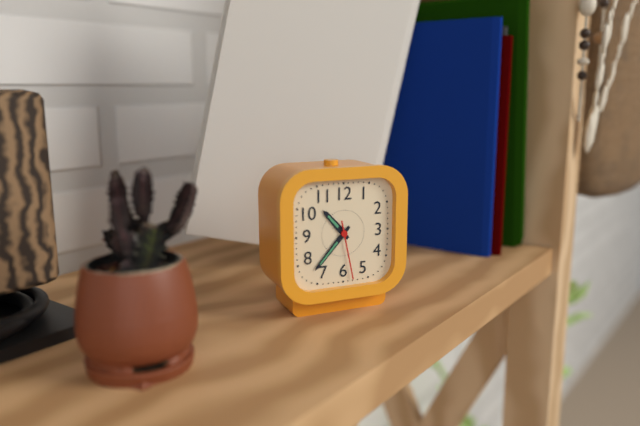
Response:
10.37.28
